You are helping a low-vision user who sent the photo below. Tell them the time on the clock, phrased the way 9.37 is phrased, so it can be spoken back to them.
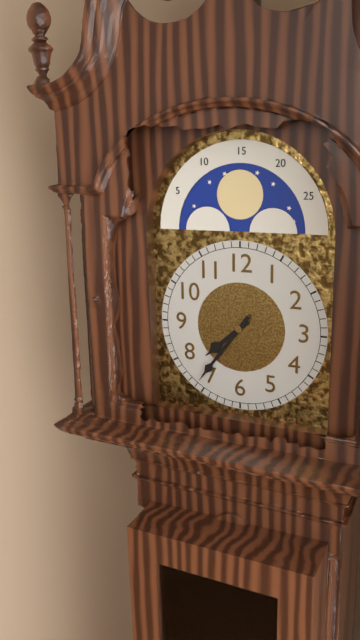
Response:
7.36
